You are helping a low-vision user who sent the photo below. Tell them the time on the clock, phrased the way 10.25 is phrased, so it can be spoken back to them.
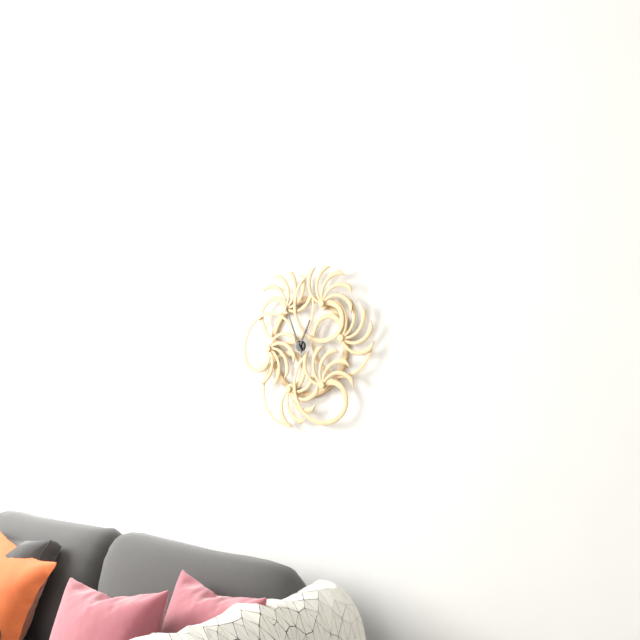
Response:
12.56
